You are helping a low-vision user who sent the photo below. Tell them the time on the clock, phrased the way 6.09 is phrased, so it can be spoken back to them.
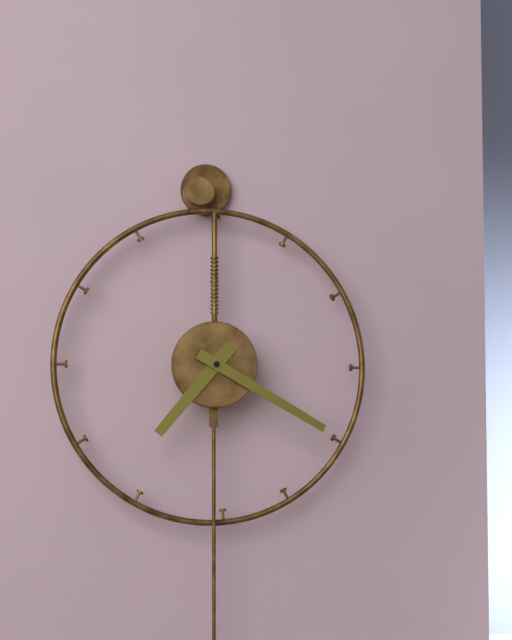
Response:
7.20
